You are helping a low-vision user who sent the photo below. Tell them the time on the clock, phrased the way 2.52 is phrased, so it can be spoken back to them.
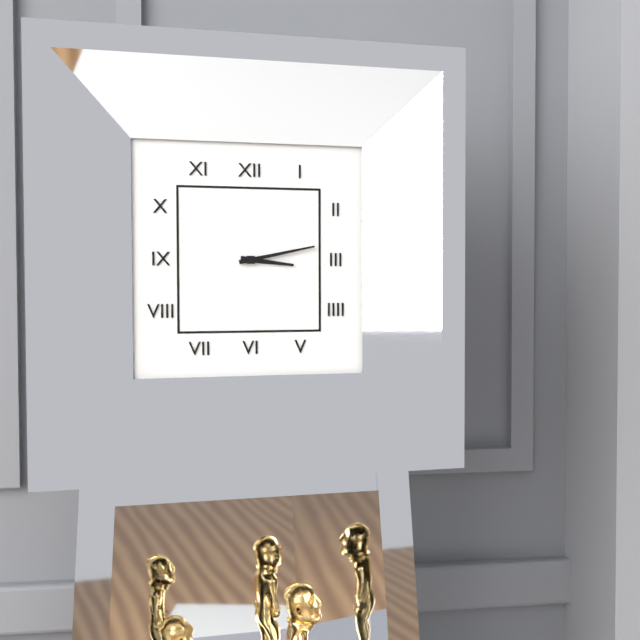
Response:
3.13
